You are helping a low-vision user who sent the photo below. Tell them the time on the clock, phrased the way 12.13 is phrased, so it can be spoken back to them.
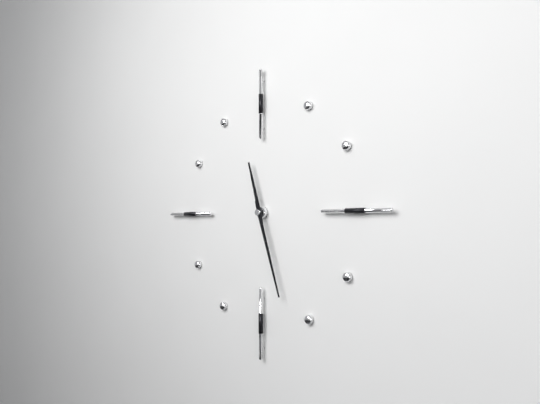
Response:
11.27
